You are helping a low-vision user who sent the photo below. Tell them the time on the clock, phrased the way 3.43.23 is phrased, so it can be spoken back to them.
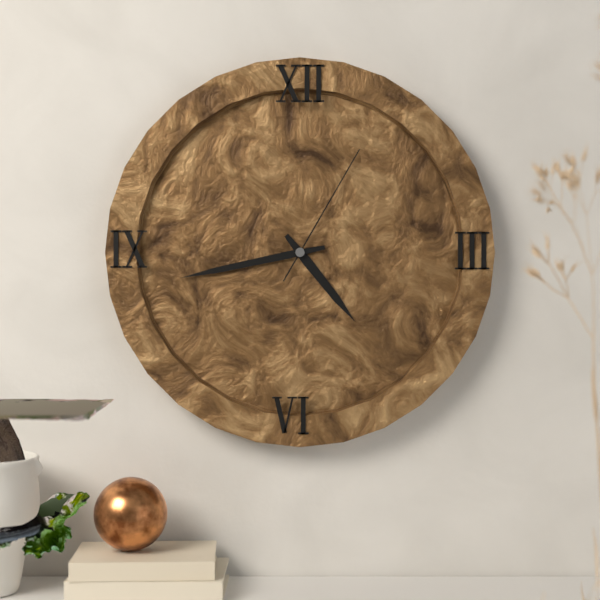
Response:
4.43.05
